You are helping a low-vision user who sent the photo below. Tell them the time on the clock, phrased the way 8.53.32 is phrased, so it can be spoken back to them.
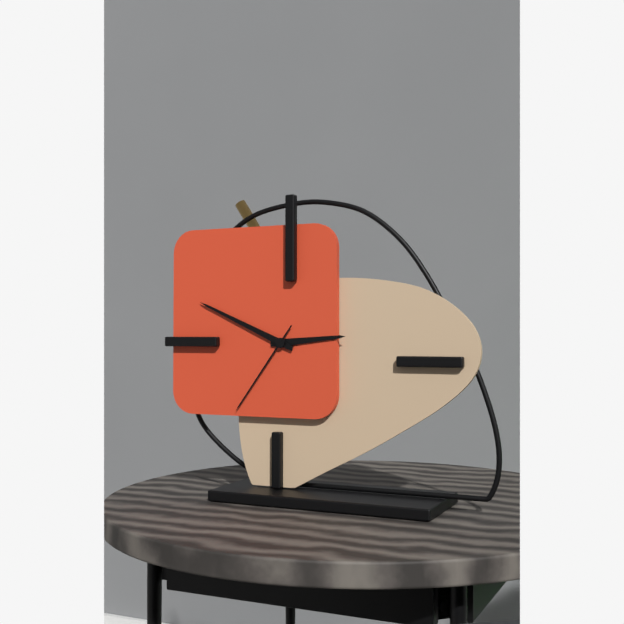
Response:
2.49.36
